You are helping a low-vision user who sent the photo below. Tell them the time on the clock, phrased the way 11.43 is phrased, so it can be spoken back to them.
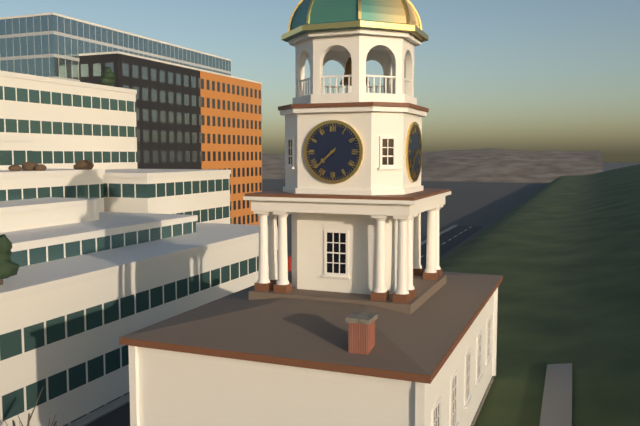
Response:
7.38
